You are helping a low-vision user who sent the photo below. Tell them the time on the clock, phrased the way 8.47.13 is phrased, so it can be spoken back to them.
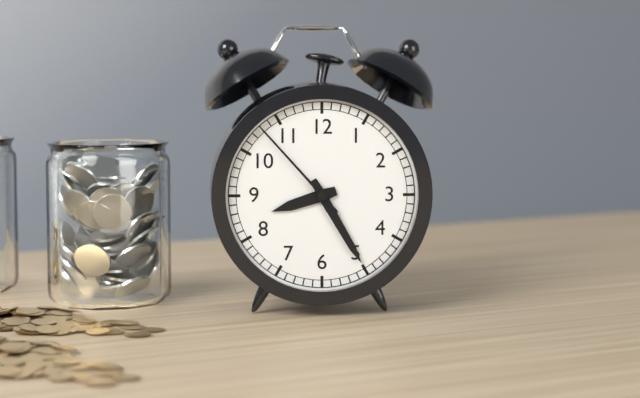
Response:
8.25.53
